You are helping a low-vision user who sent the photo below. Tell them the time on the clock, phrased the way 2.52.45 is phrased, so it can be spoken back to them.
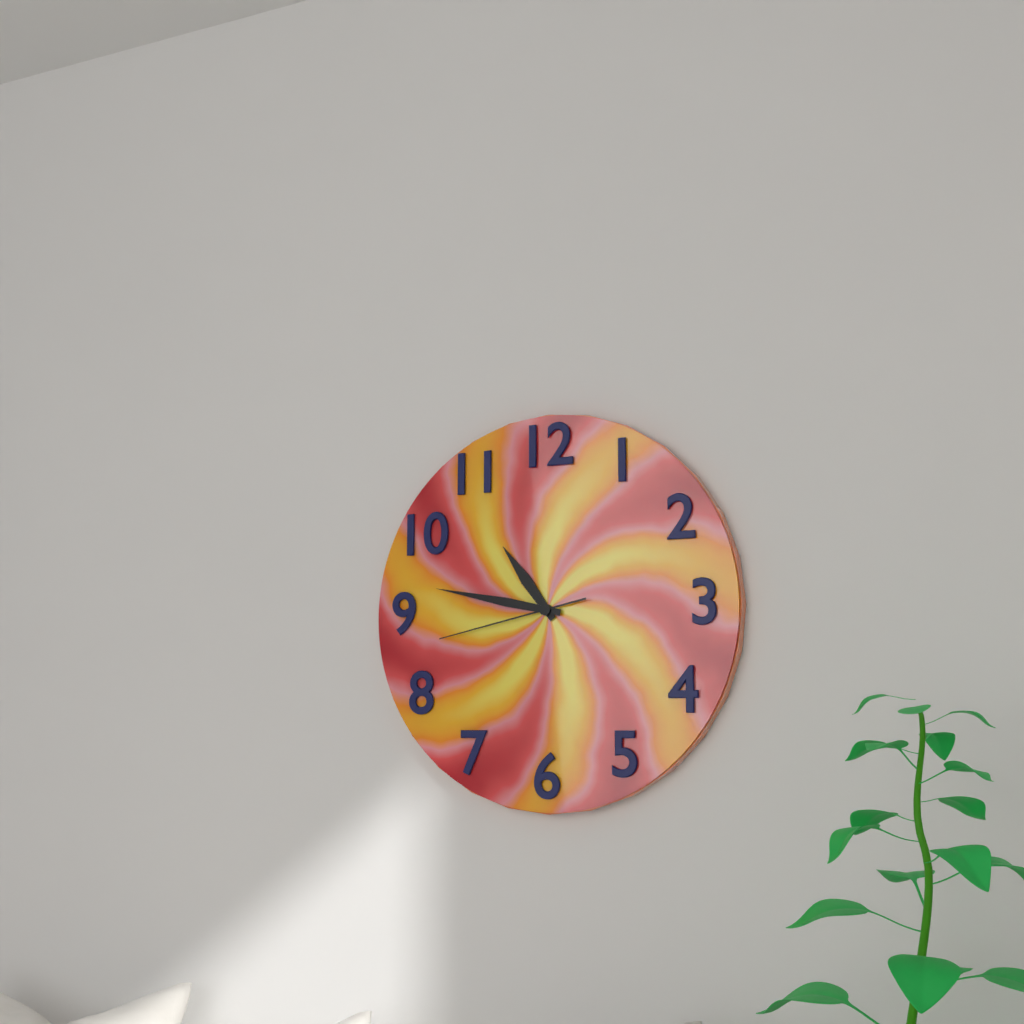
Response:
10.47.43
